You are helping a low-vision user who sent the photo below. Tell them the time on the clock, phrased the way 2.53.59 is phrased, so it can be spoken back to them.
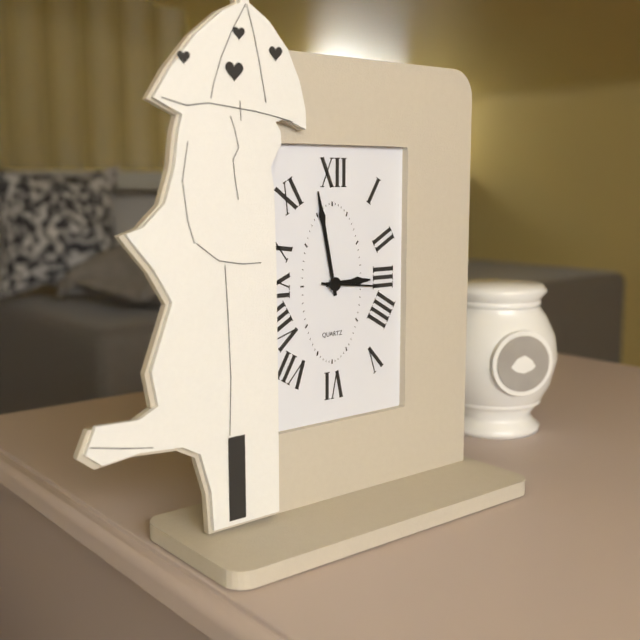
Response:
2.58.16
